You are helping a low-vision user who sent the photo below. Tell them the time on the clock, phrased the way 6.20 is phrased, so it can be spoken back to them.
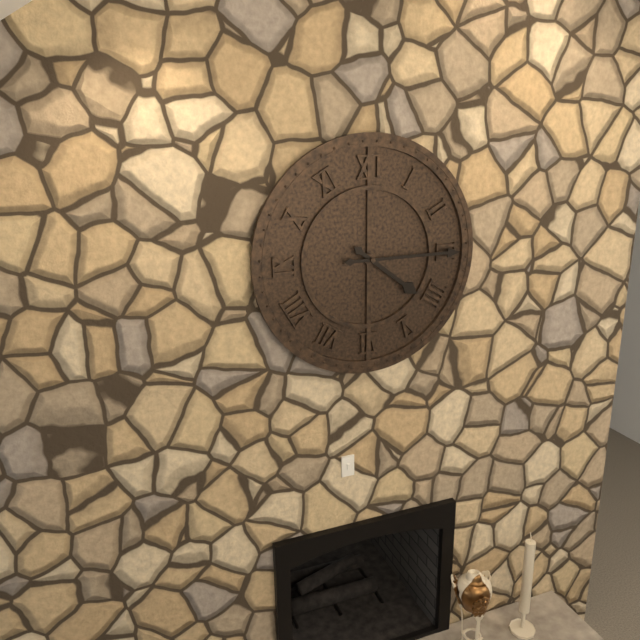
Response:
4.15
